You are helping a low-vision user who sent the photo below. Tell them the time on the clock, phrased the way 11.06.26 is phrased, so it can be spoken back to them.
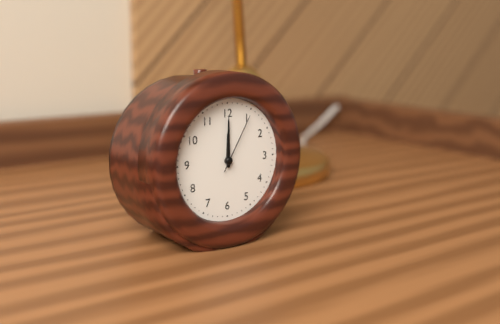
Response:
12.00.05
